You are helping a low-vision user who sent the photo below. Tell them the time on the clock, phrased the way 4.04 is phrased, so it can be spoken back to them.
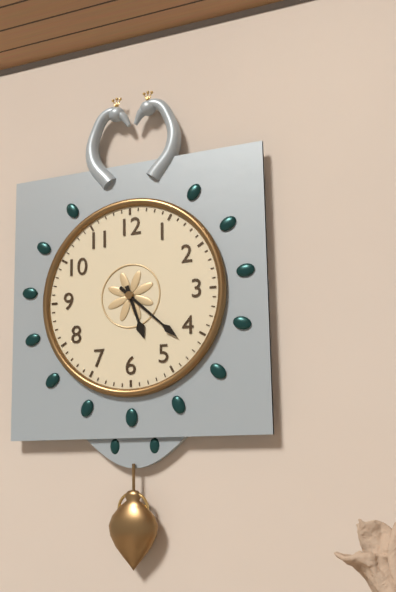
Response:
5.22
